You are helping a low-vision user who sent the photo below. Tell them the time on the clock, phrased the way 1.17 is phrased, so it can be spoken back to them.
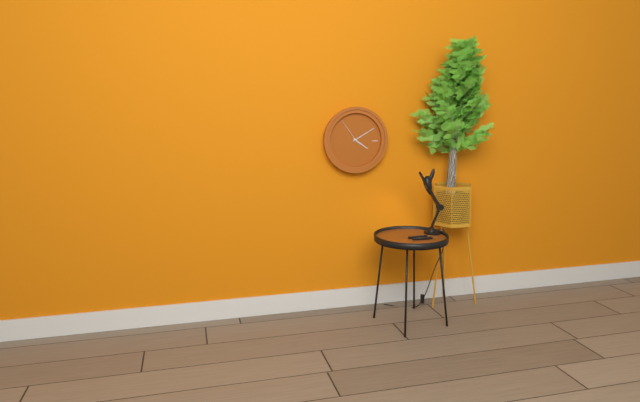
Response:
4.10
